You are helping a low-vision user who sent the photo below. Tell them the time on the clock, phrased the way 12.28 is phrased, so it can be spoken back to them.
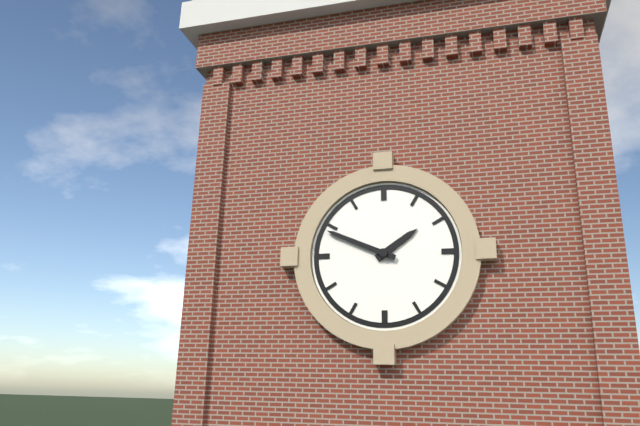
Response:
1.49
